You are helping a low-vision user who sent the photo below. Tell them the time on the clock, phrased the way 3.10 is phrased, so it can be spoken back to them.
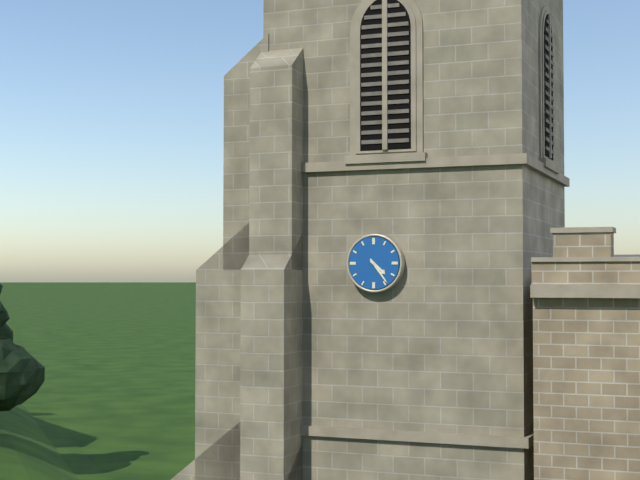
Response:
4.24
